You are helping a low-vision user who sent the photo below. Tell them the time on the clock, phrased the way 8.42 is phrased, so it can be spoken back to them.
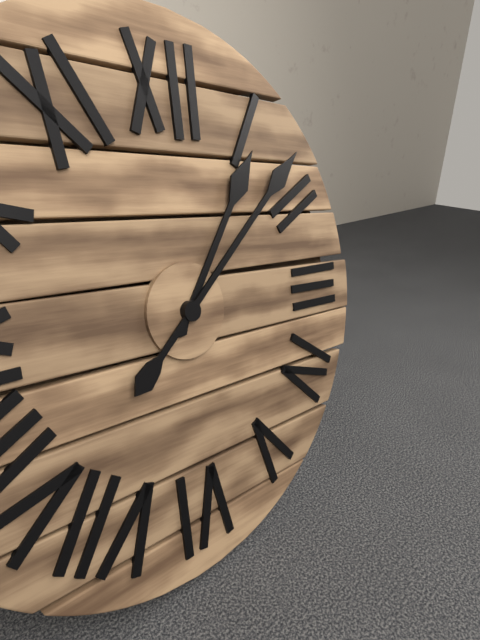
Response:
1.08
